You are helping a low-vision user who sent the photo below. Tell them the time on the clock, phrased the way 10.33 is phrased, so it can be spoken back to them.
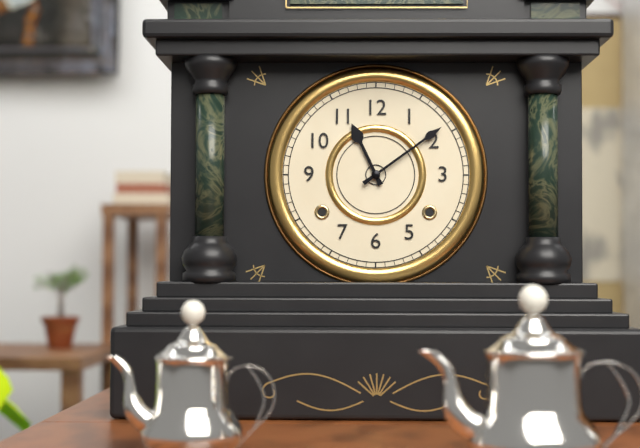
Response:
11.09
